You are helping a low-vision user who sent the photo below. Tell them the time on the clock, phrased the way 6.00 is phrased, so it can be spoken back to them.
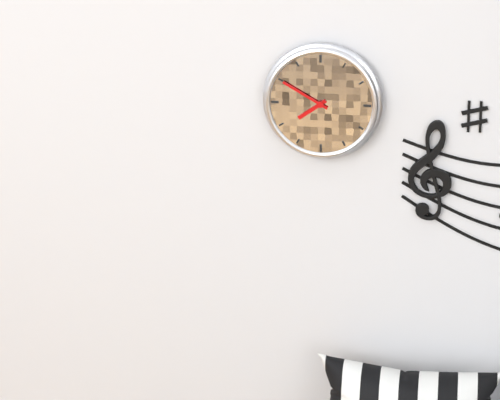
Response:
7.50
